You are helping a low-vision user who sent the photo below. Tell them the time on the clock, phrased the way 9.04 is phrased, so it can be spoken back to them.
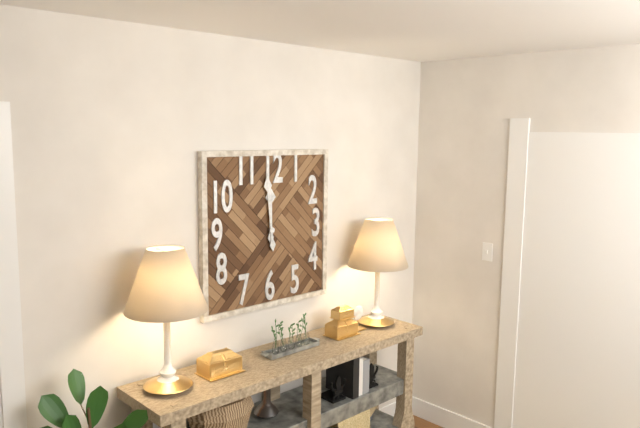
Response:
11.59
